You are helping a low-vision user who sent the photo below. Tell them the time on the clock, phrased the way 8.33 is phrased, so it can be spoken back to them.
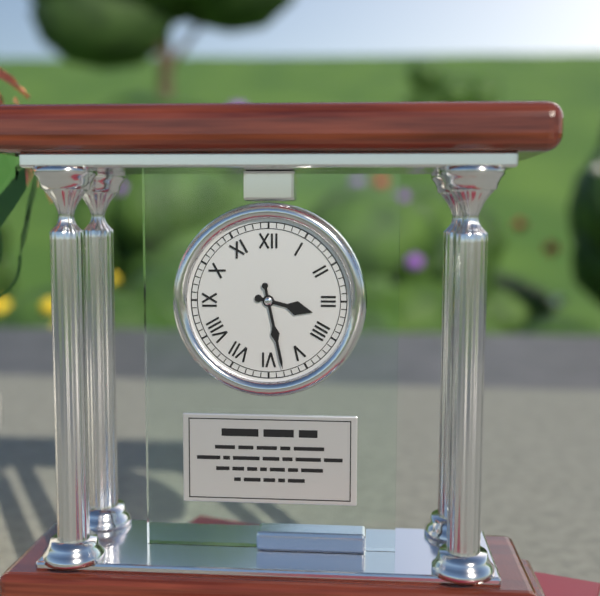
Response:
3.28
